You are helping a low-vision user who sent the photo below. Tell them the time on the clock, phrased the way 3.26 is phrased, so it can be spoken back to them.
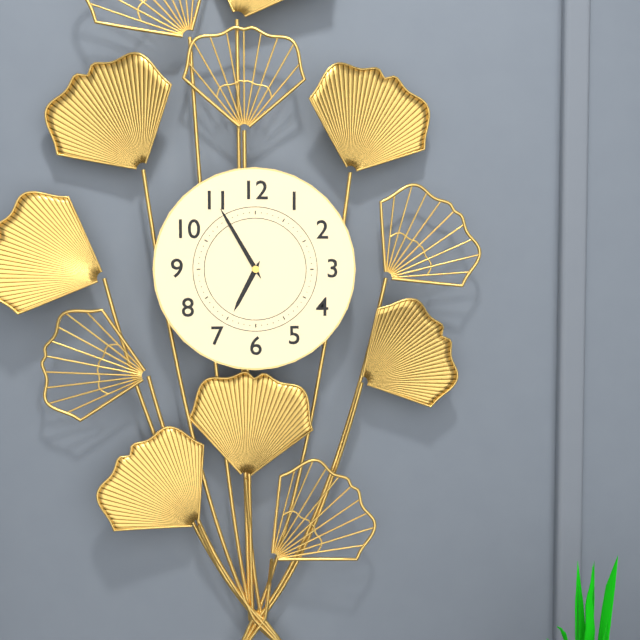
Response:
6.55
